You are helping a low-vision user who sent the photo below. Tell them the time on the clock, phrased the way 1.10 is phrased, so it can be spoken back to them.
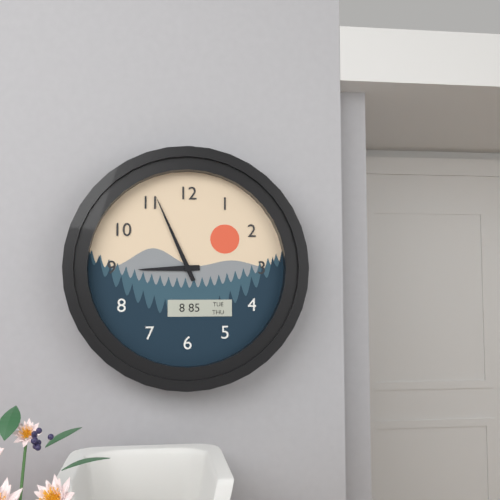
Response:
8.56
